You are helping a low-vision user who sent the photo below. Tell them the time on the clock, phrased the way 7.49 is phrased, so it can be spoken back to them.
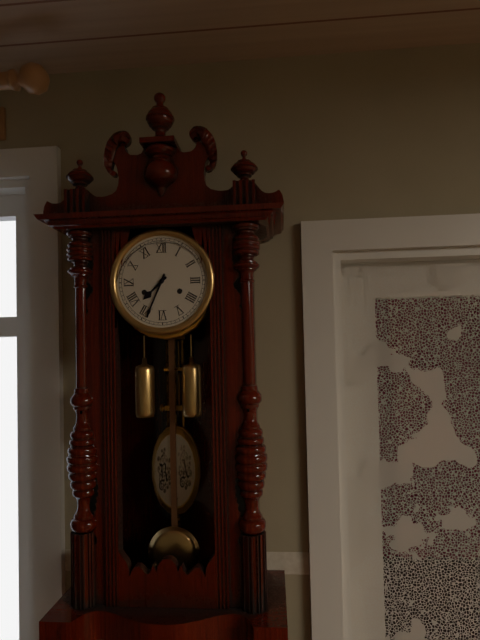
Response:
7.34
